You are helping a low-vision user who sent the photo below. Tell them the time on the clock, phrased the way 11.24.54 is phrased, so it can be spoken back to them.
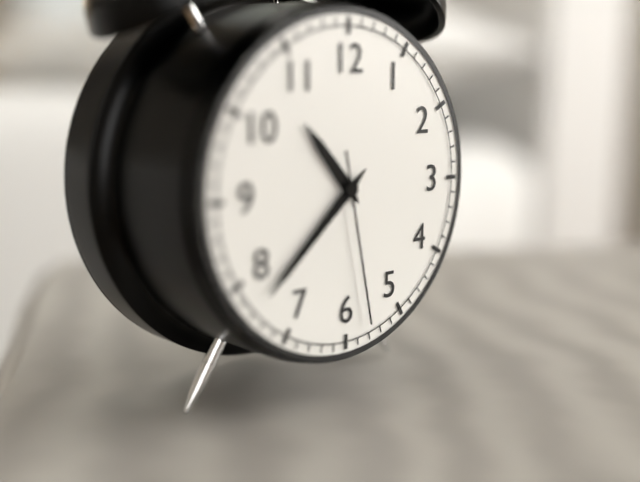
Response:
10.38.28
